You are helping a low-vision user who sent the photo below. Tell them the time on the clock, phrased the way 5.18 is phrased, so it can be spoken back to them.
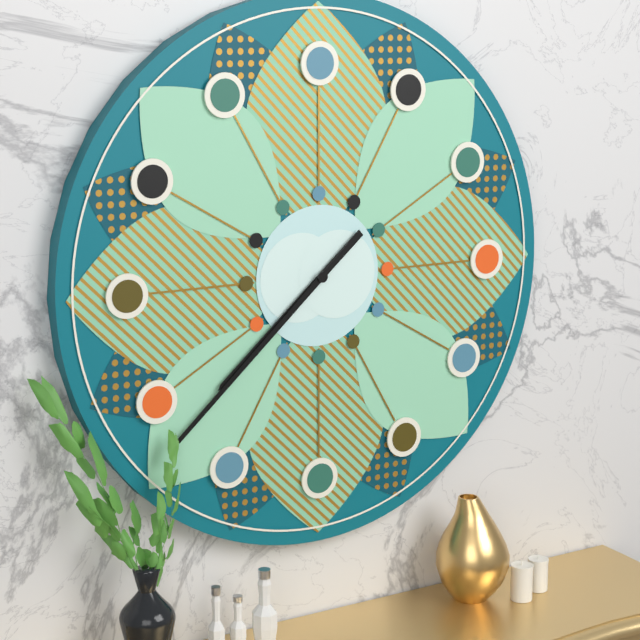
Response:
7.38
